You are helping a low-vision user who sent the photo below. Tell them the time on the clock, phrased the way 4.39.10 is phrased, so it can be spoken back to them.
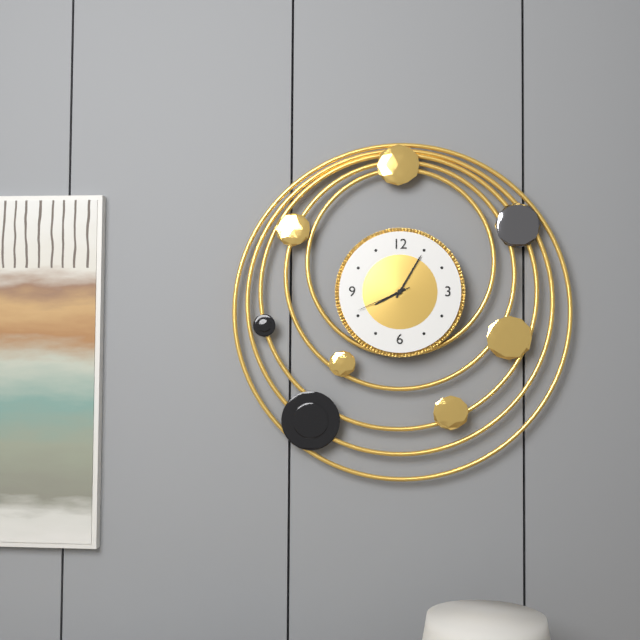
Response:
8.05.41
